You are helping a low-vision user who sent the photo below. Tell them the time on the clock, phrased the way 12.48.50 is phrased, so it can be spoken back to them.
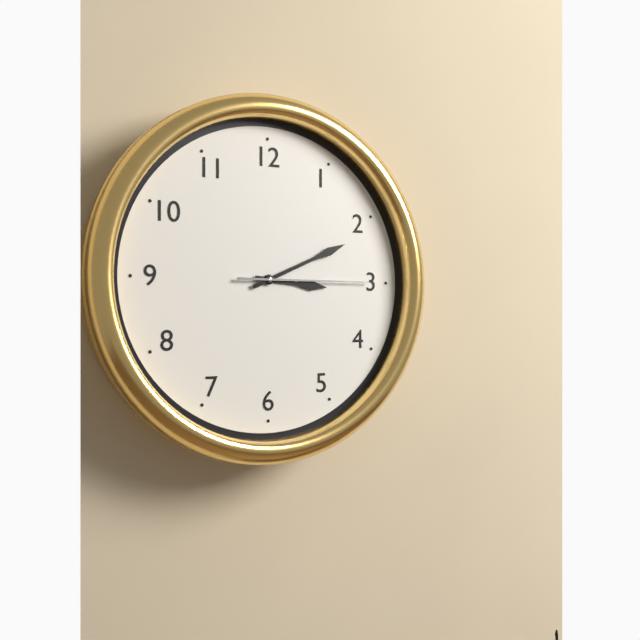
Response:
3.11.15
